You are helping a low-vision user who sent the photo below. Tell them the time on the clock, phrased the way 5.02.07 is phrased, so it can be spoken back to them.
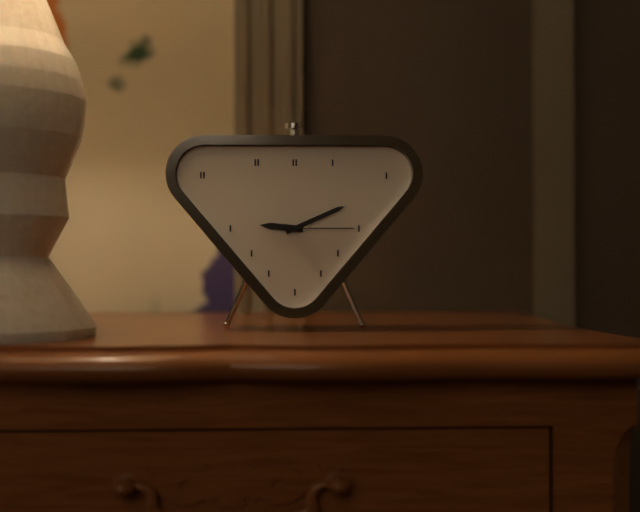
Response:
9.11.15
